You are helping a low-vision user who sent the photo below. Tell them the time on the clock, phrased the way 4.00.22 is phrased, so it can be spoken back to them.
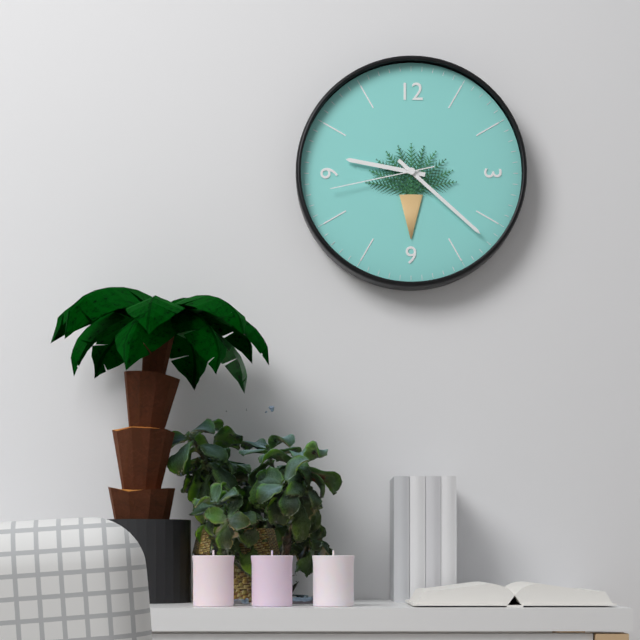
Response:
9.22.43
